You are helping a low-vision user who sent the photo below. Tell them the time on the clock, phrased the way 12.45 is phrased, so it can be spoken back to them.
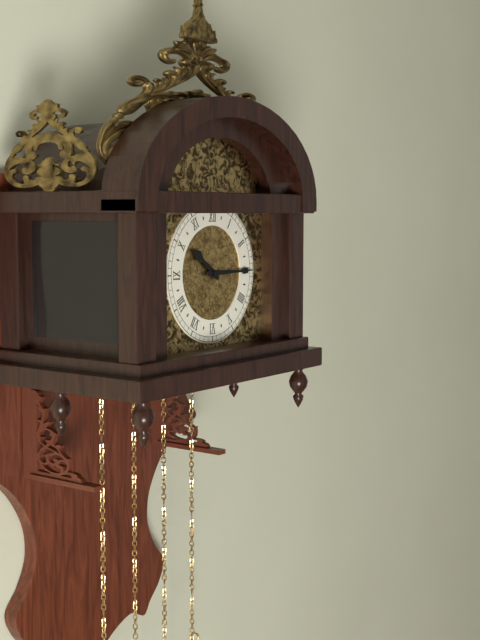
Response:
10.15
